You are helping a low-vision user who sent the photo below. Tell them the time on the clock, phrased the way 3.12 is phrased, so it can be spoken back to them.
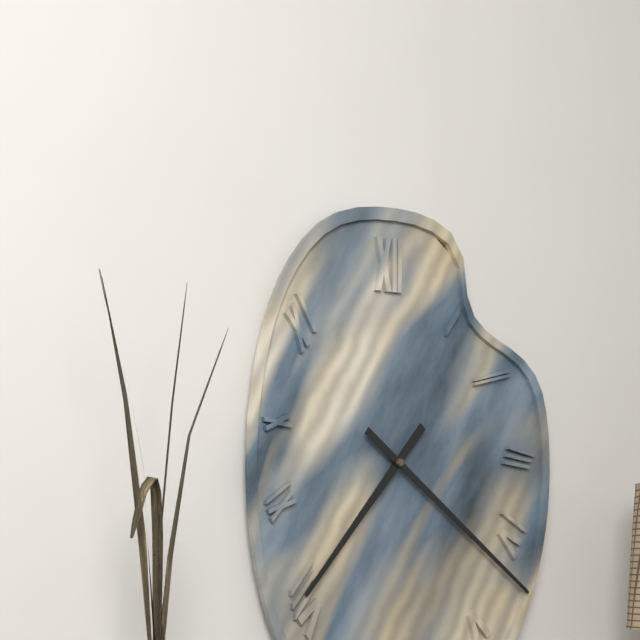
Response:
7.21
